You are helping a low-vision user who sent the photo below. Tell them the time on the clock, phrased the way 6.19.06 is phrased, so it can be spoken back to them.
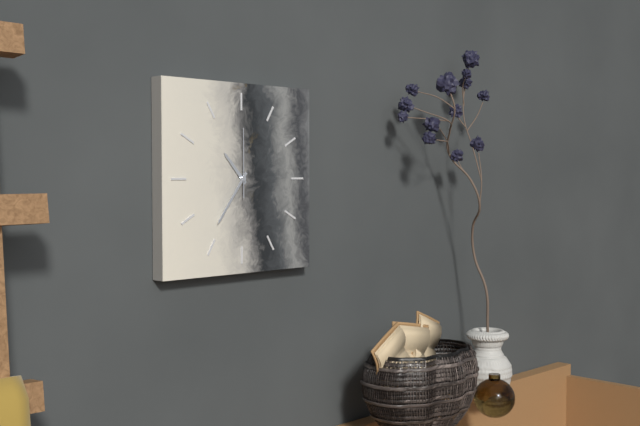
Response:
10.36.00
